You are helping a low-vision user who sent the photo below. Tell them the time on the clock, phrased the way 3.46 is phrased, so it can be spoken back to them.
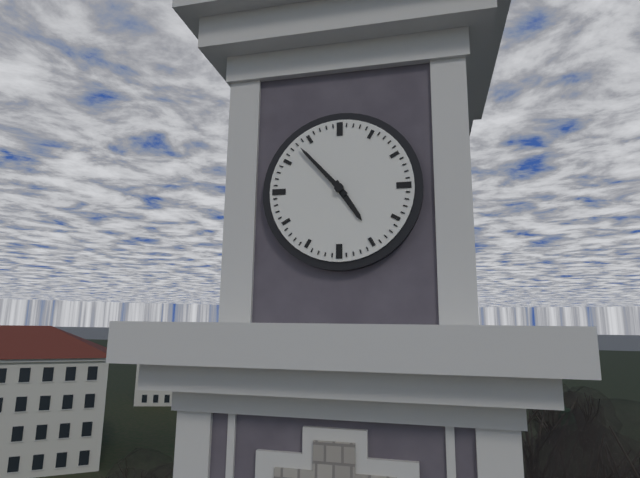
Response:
4.53
